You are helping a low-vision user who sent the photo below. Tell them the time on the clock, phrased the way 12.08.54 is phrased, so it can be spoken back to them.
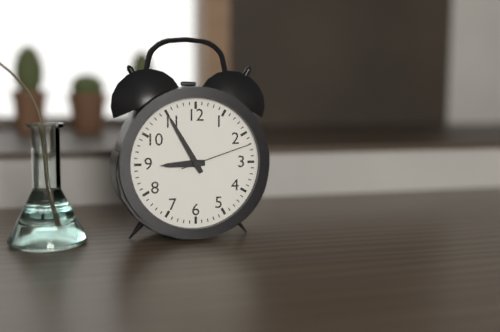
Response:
8.55.12
